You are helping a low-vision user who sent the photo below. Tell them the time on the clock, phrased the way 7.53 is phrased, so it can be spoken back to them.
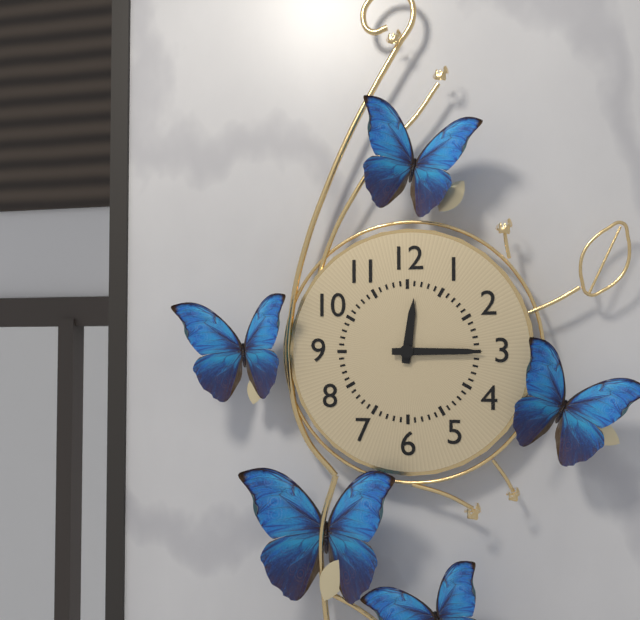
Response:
12.15
